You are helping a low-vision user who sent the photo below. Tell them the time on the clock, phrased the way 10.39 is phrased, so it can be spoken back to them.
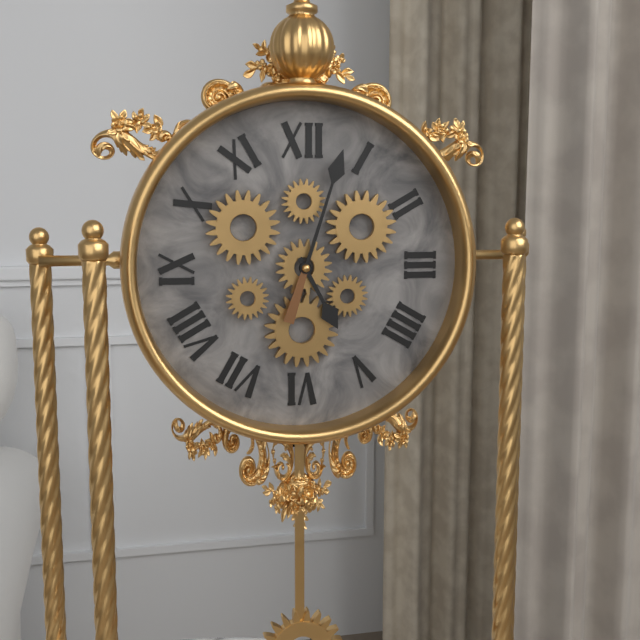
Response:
5.03
